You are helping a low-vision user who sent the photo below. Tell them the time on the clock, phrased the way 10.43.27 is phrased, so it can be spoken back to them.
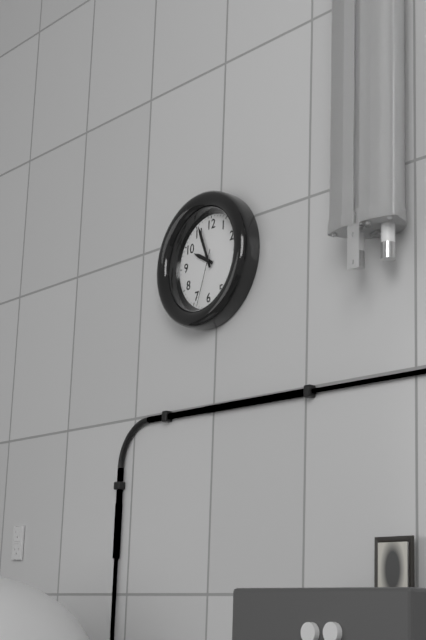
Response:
9.56.33
